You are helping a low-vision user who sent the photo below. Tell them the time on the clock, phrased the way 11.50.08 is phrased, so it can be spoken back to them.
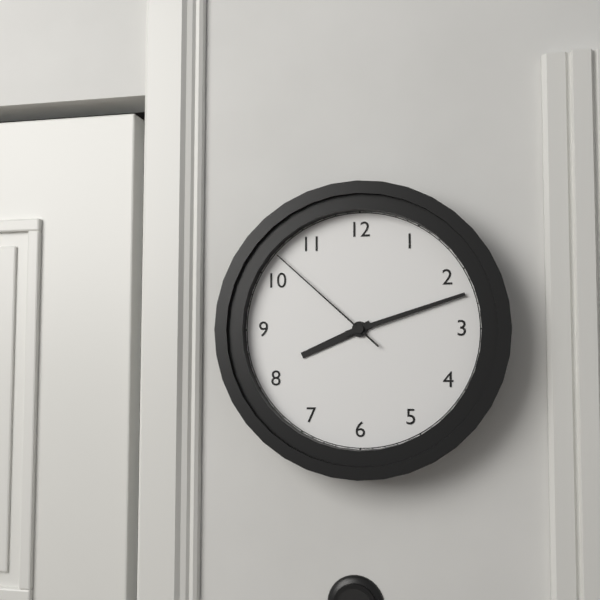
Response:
8.12.52
